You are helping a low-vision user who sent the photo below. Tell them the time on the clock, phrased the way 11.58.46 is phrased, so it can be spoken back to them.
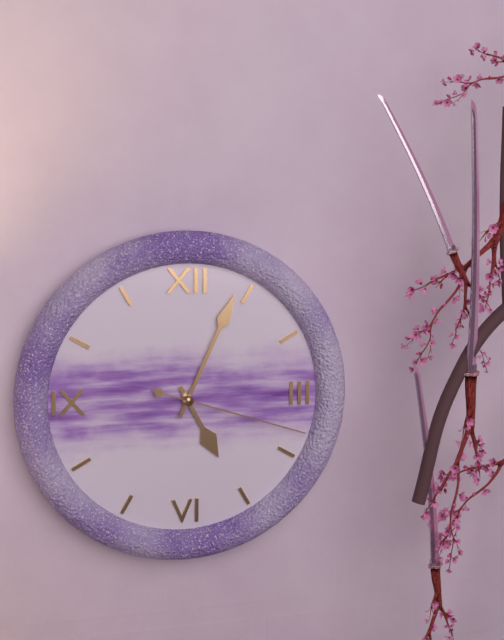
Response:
5.04.18
